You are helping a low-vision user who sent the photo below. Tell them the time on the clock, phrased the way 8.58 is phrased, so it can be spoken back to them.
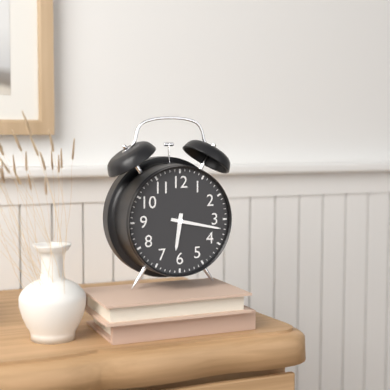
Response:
6.17
